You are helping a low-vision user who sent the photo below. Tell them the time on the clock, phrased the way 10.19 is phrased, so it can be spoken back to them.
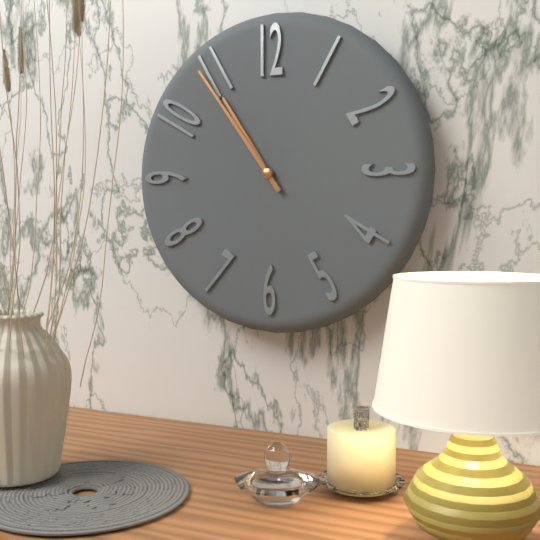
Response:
10.54
